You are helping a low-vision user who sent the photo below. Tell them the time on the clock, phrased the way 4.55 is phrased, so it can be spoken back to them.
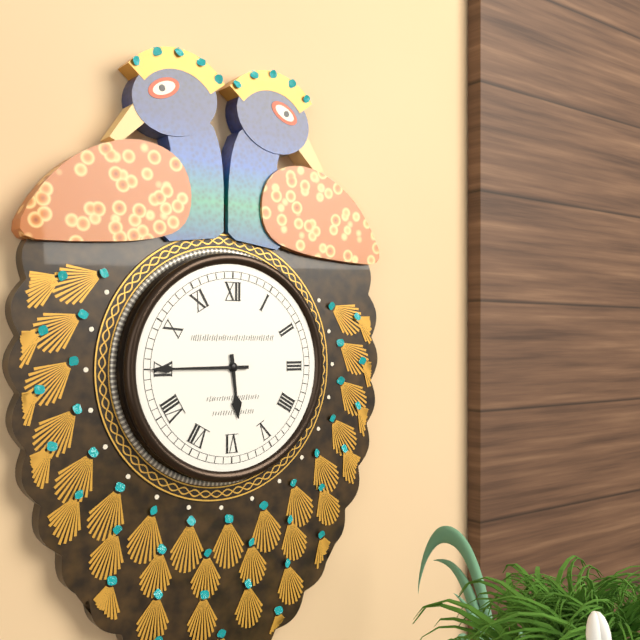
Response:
5.45
